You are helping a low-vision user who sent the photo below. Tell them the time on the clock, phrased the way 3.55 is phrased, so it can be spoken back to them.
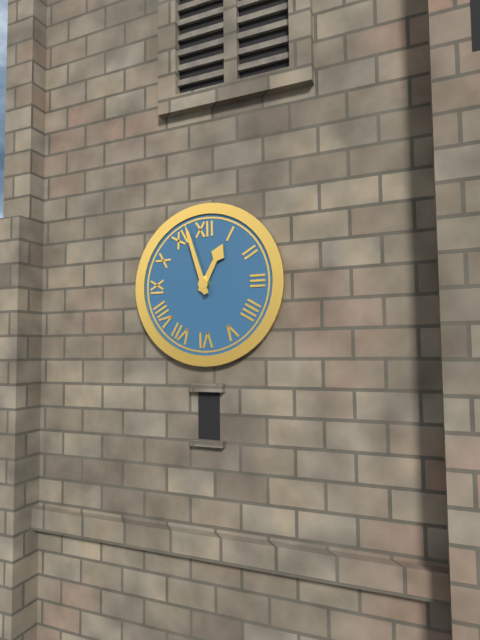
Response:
12.57
